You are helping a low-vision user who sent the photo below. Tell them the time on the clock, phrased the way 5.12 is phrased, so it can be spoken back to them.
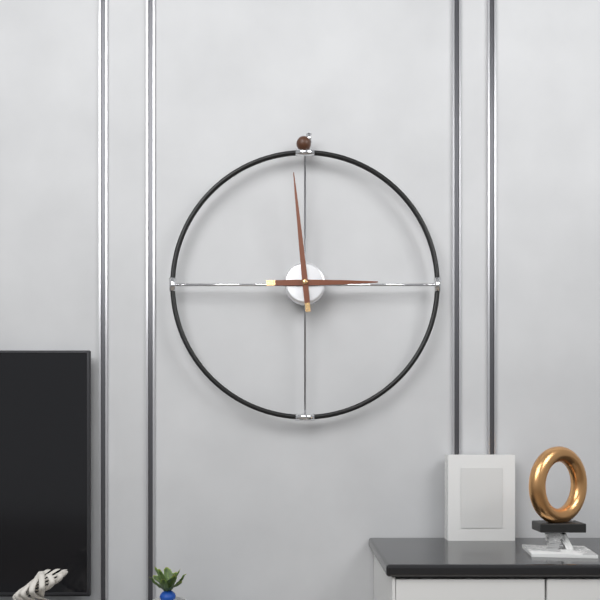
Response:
2.59
